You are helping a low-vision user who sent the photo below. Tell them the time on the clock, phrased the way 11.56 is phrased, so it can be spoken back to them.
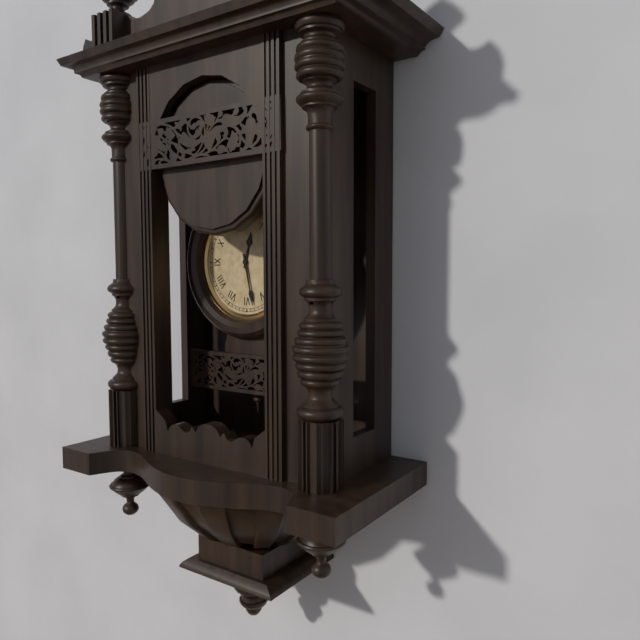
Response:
12.28
